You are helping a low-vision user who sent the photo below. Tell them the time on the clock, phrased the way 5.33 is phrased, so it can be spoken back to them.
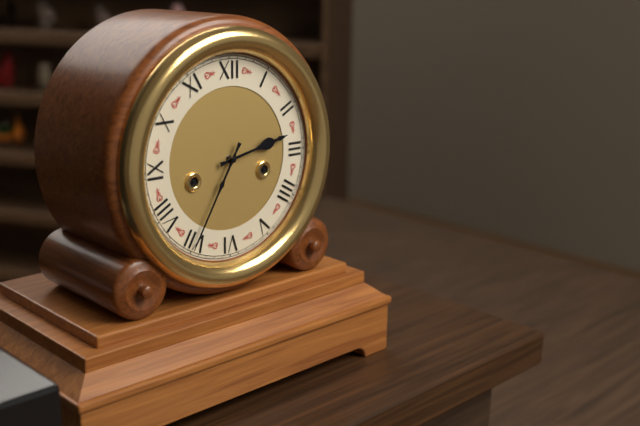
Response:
2.35
